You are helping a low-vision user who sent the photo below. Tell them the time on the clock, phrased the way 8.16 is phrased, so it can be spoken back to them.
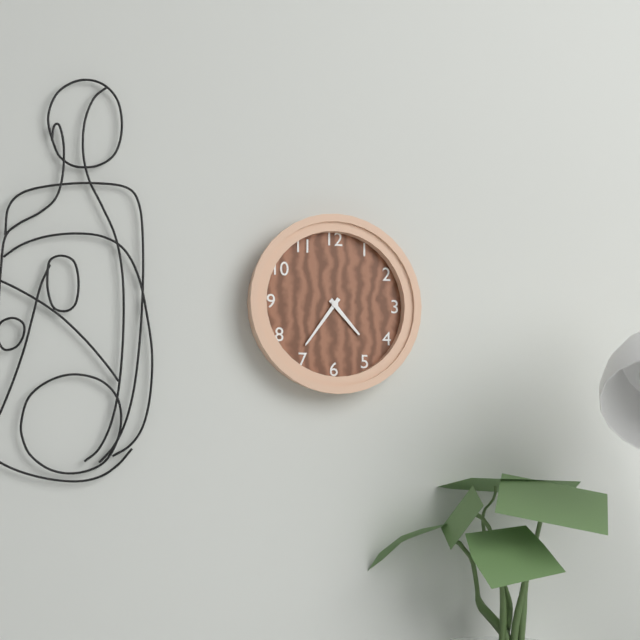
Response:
4.36
